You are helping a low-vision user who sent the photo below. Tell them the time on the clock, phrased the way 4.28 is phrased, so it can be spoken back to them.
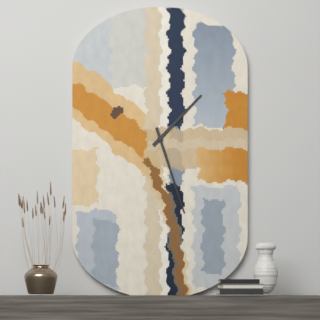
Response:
1.27
